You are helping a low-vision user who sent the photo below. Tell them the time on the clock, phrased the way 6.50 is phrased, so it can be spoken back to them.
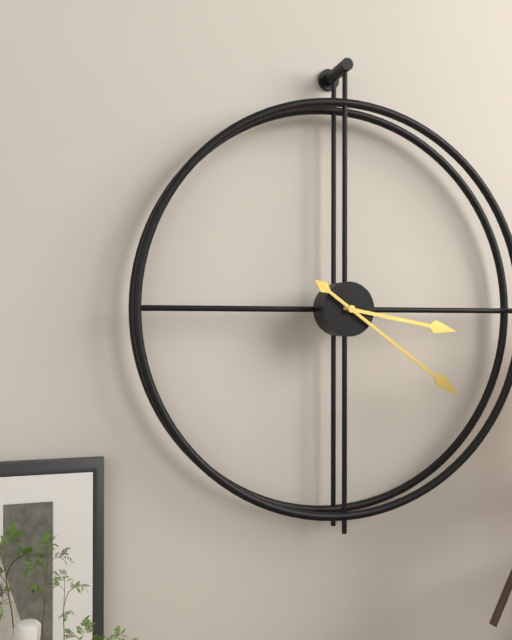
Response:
3.21
